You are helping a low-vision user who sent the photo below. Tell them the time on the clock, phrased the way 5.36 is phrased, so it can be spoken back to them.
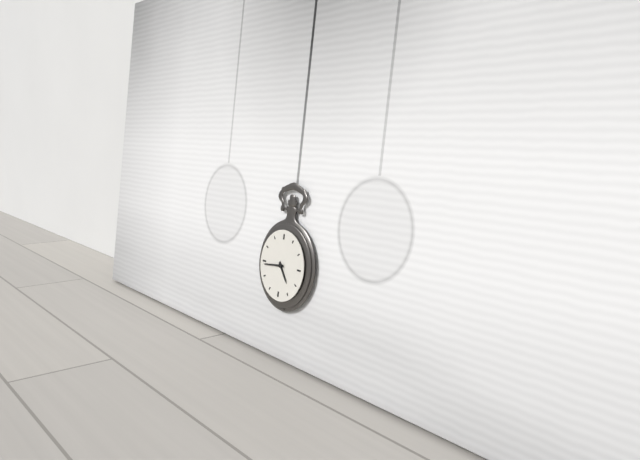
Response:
4.44
